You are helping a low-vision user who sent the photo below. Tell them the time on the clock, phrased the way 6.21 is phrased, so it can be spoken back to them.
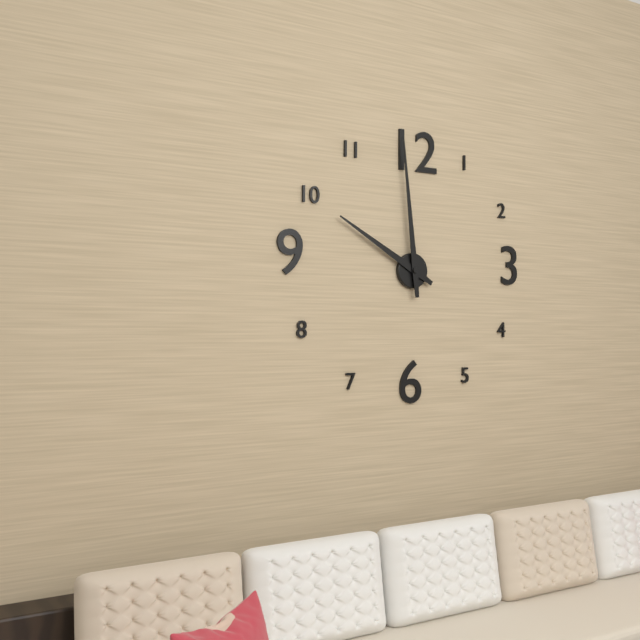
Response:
9.59
